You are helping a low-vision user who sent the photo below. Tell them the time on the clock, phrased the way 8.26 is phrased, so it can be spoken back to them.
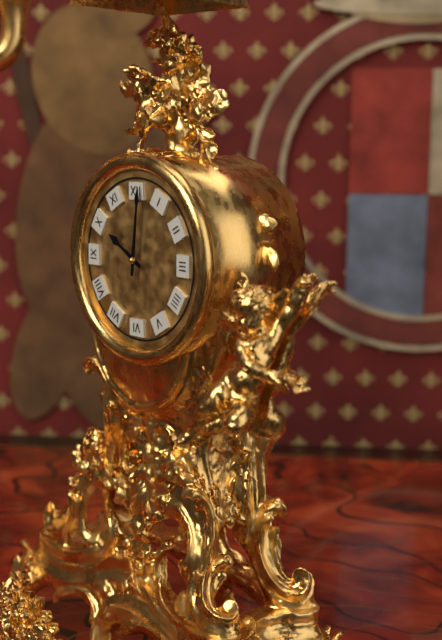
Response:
10.01
